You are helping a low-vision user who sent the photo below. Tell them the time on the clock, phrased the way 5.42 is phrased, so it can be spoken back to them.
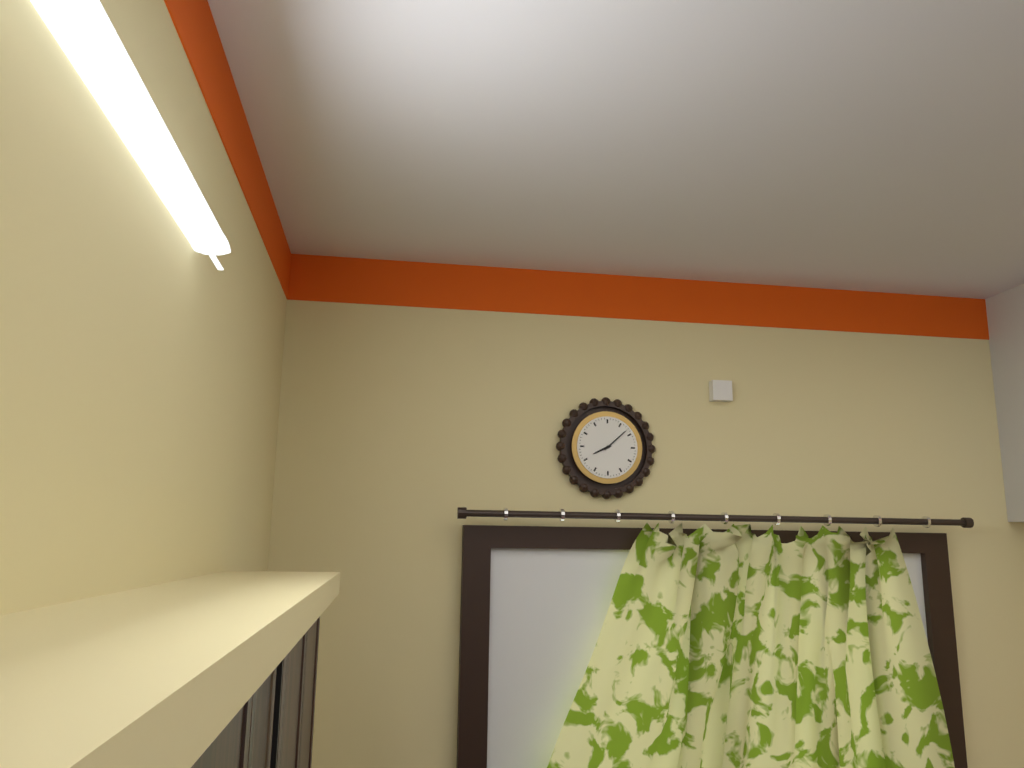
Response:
8.08
